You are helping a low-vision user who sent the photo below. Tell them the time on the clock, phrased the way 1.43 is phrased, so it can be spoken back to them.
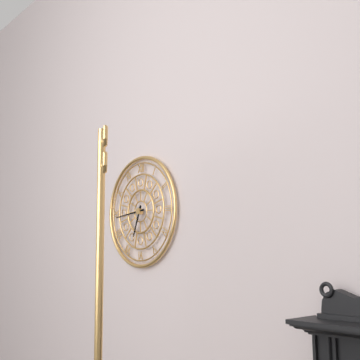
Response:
6.44
